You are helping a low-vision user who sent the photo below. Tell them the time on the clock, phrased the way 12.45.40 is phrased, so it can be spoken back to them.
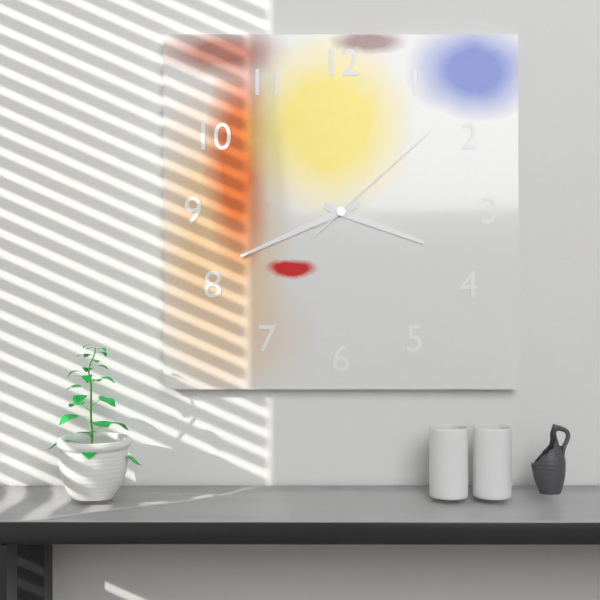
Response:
3.41.08
